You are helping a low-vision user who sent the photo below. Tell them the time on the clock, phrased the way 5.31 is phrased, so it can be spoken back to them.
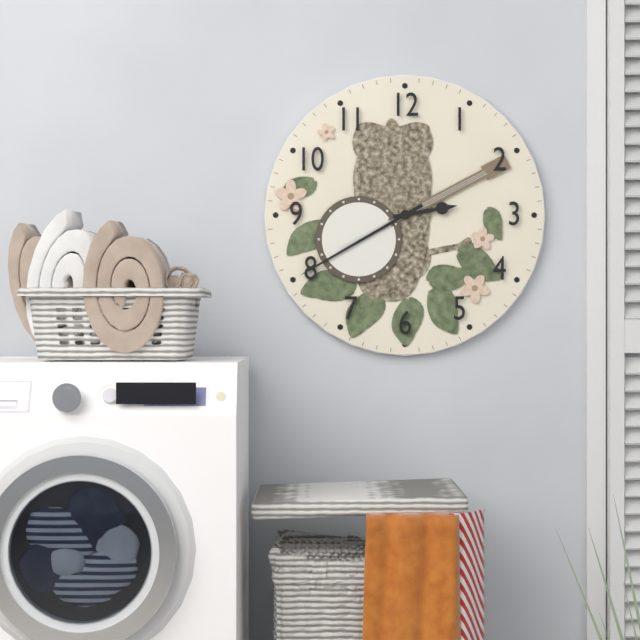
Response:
2.40
